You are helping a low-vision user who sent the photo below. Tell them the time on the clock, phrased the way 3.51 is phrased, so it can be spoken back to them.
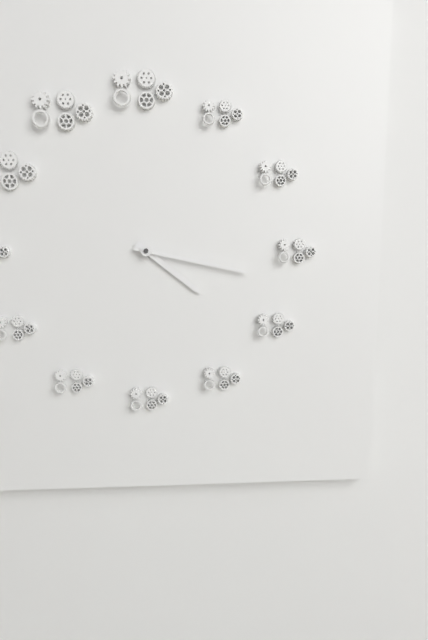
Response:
4.17
